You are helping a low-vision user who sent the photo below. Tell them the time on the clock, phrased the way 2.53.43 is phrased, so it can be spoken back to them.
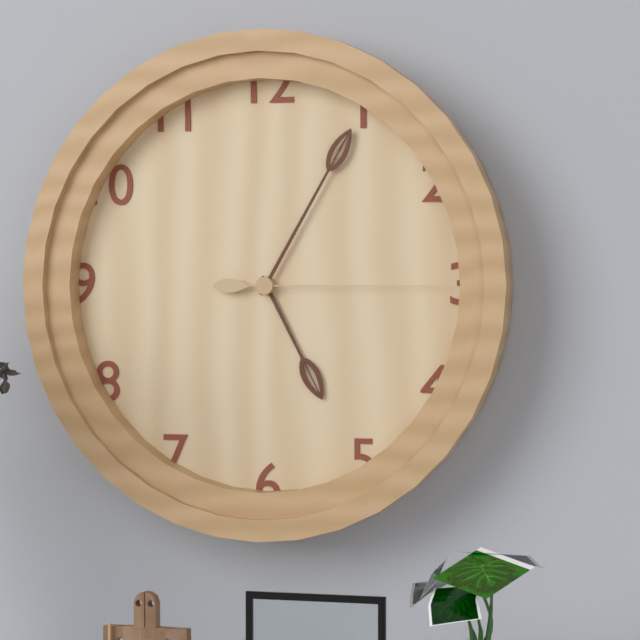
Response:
5.05.15
